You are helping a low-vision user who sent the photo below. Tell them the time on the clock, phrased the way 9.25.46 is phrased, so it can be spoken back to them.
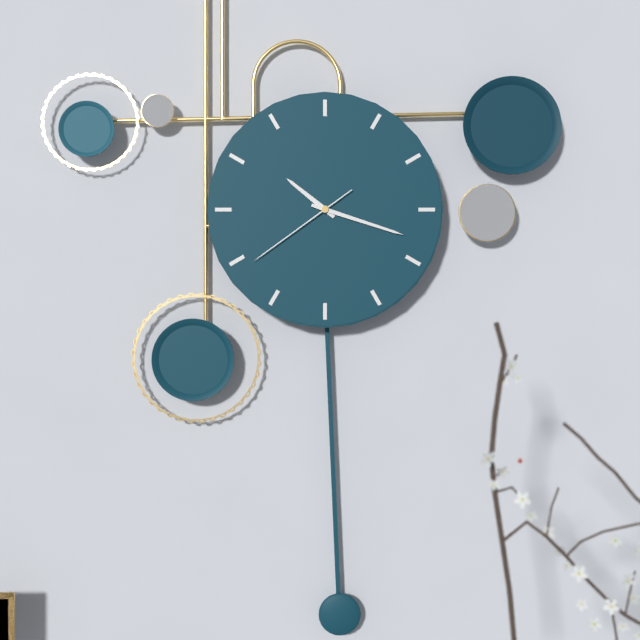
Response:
10.18.39
